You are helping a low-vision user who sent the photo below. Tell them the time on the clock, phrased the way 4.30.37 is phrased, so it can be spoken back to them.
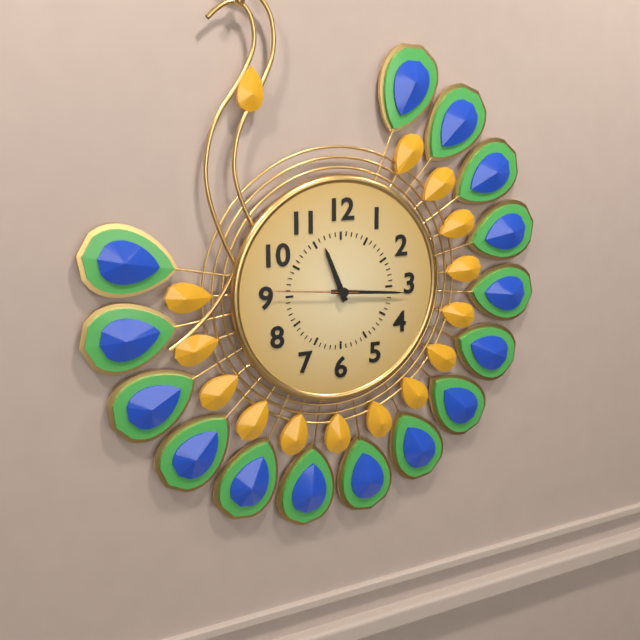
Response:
11.16.46
